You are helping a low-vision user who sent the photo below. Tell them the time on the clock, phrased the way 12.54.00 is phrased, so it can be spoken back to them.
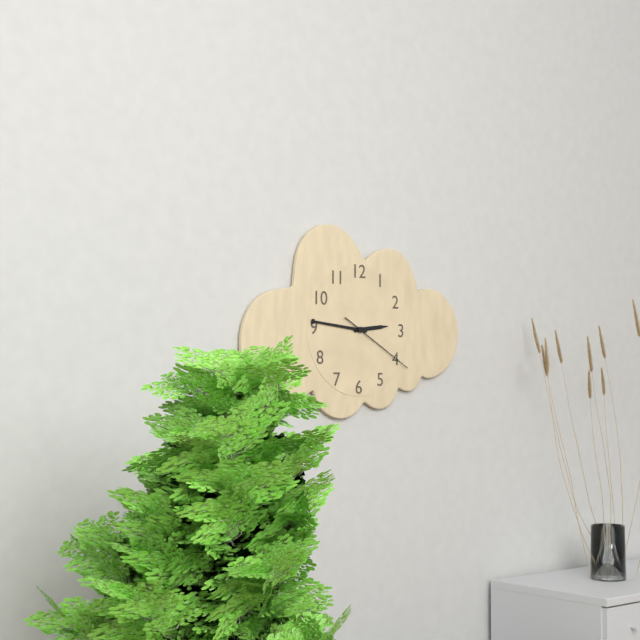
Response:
2.46.20
